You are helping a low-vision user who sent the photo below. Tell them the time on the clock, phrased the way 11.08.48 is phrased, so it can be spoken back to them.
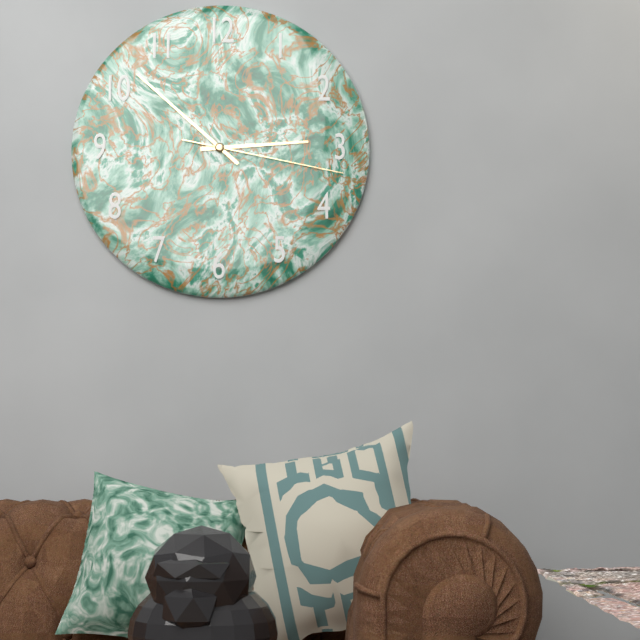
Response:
2.52.17
